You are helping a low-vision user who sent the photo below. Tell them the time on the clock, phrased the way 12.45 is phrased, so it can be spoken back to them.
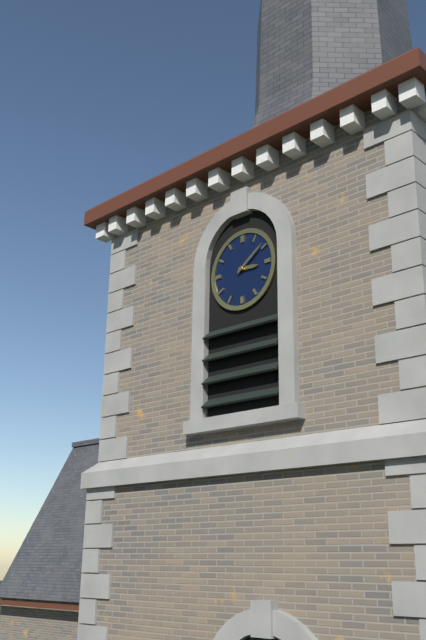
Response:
3.09
